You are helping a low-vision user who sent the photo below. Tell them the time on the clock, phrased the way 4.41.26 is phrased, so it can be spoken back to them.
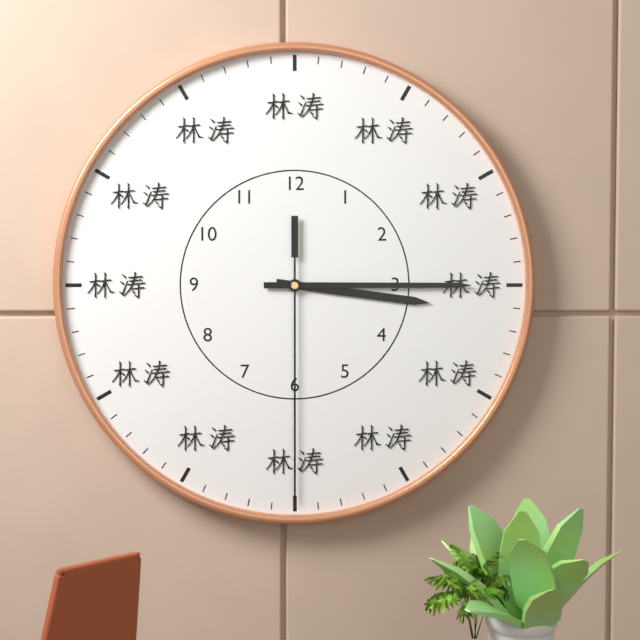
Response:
3.15.30
